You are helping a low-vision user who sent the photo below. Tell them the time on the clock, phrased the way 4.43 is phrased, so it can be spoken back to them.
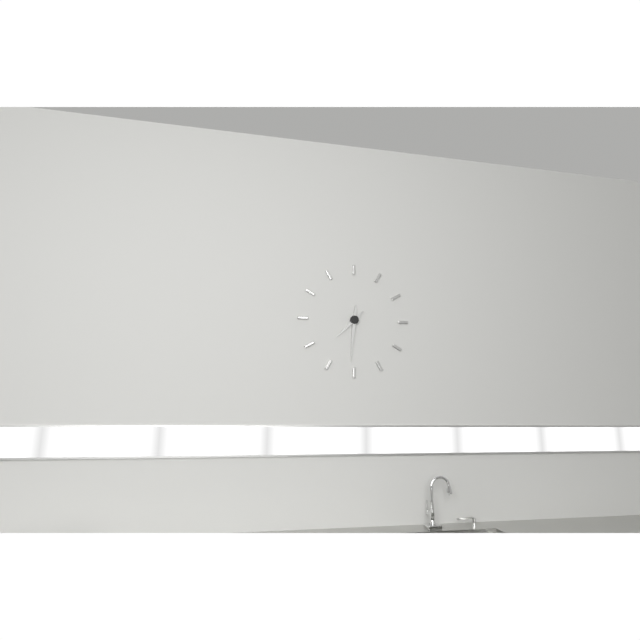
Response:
7.31
